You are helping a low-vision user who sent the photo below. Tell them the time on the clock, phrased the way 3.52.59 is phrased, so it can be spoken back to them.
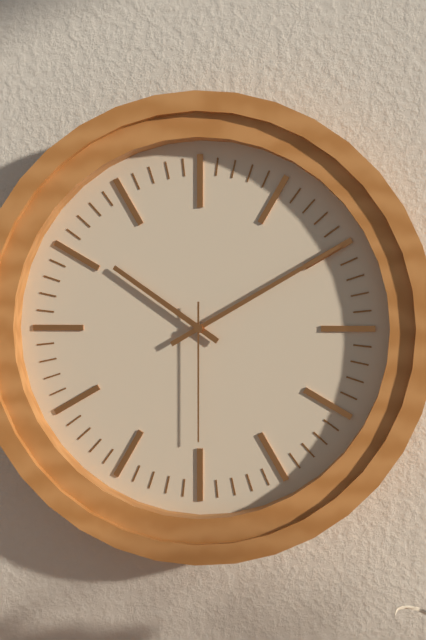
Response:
10.10.30
